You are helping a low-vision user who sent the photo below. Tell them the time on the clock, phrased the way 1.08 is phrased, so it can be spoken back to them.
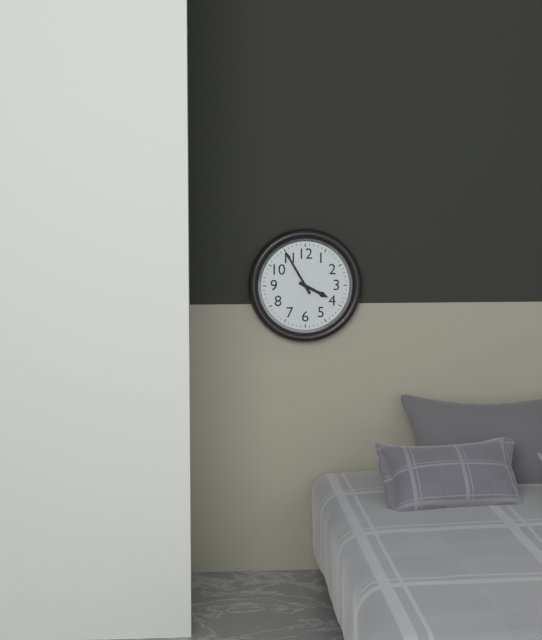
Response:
3.55
